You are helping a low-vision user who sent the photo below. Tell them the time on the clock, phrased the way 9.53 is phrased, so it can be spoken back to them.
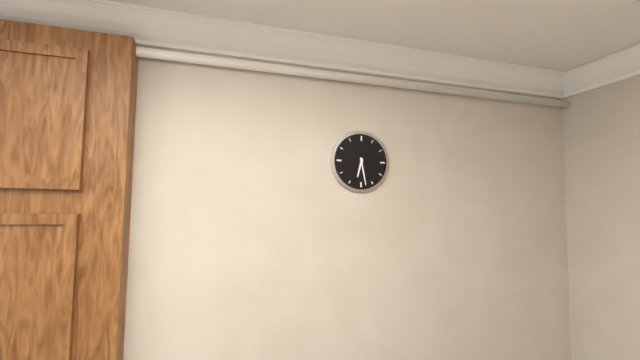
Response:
6.28
